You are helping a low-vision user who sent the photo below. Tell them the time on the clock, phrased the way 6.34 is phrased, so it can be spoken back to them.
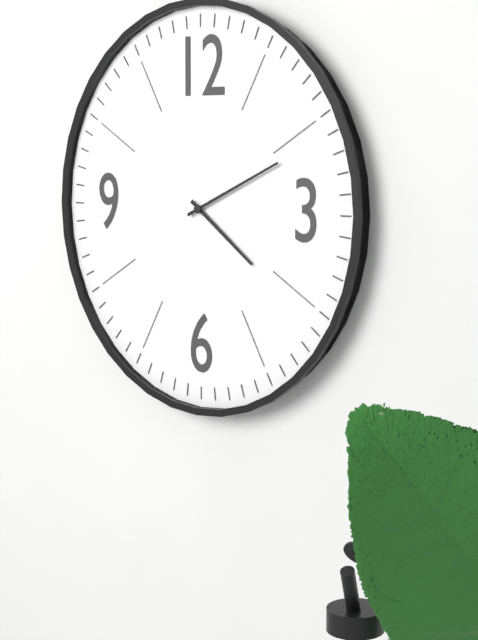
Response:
4.11
